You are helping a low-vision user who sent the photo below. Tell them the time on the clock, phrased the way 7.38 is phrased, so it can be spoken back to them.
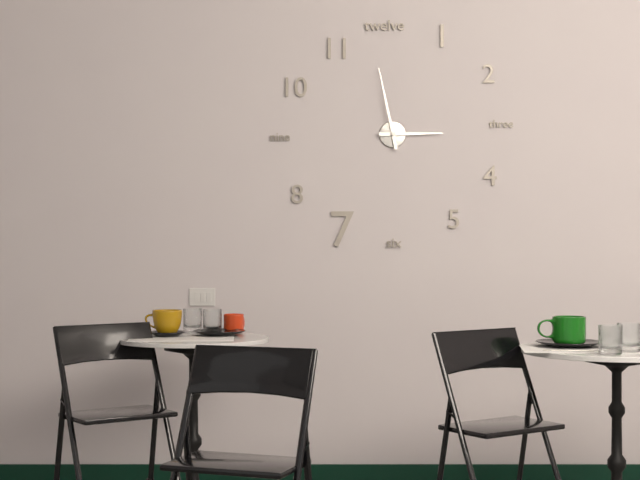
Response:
2.58
